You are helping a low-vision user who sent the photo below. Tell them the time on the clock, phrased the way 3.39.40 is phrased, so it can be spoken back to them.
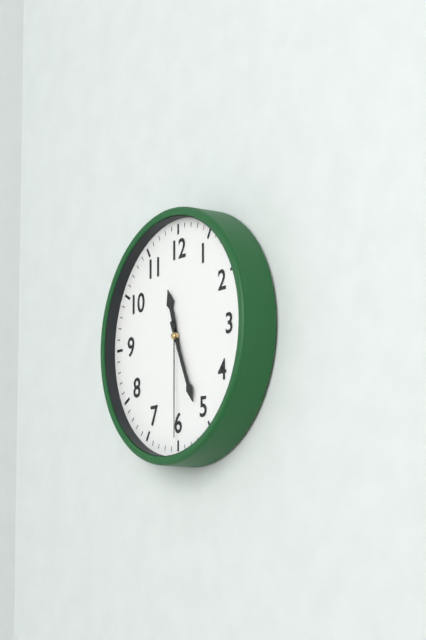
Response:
11.26.30
